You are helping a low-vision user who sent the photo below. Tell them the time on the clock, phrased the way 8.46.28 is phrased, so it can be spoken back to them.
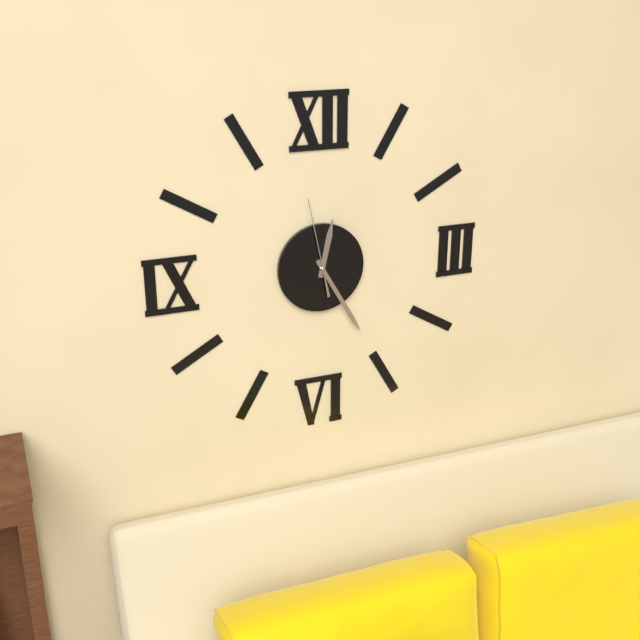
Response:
12.25.58
